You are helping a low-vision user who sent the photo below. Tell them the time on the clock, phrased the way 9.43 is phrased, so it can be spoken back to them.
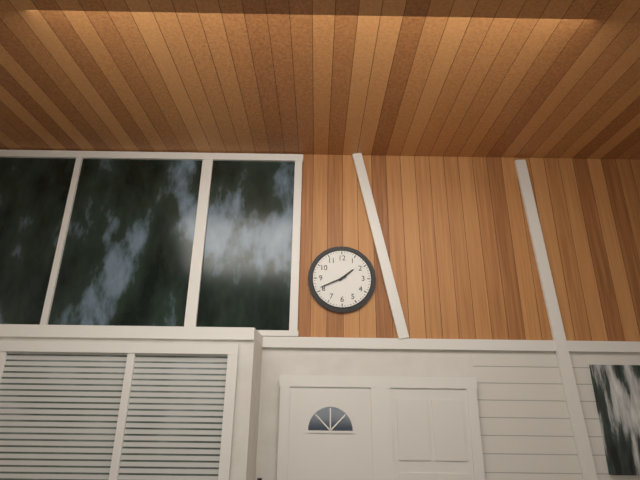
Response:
1.41
